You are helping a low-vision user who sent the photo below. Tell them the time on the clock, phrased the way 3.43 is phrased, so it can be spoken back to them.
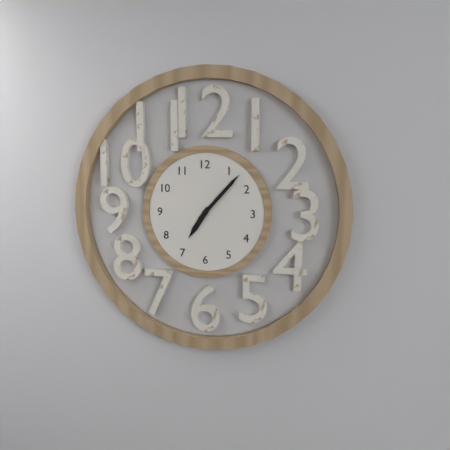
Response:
7.07
